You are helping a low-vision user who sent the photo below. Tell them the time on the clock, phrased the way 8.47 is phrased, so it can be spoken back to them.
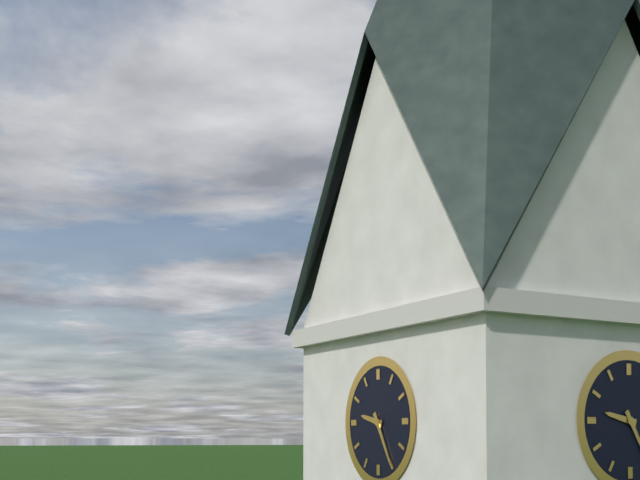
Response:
9.25
